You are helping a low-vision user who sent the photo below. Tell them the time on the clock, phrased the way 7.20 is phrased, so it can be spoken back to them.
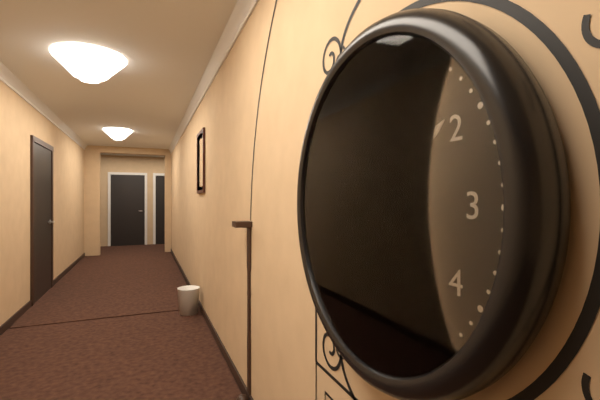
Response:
2.09
